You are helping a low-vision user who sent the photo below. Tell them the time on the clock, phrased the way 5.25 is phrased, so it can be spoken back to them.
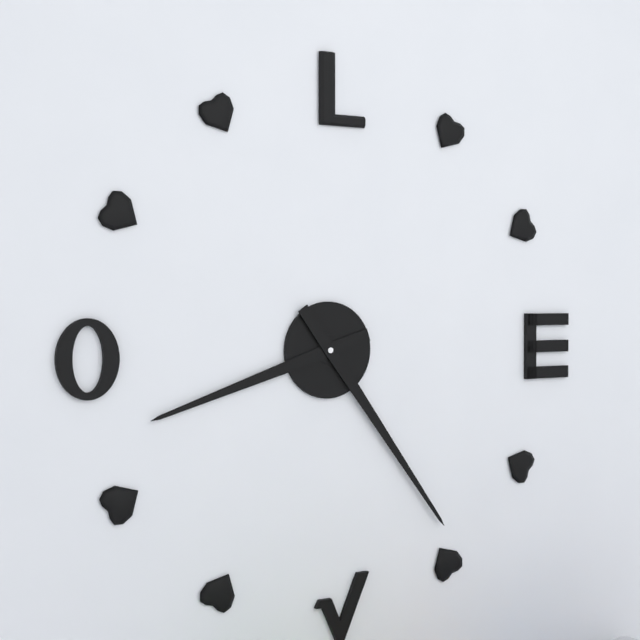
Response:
8.24
